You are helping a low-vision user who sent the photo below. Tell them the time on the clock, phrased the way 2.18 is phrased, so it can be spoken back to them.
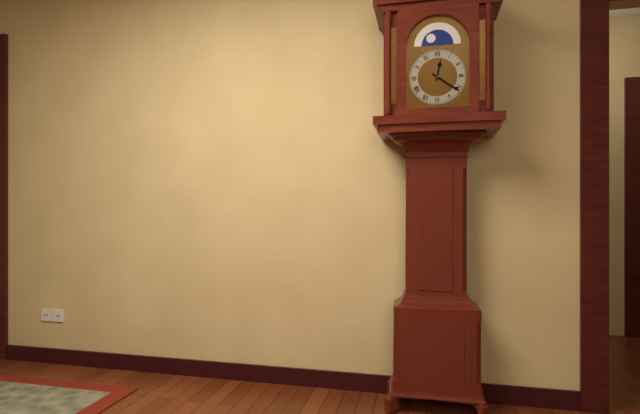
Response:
12.21
